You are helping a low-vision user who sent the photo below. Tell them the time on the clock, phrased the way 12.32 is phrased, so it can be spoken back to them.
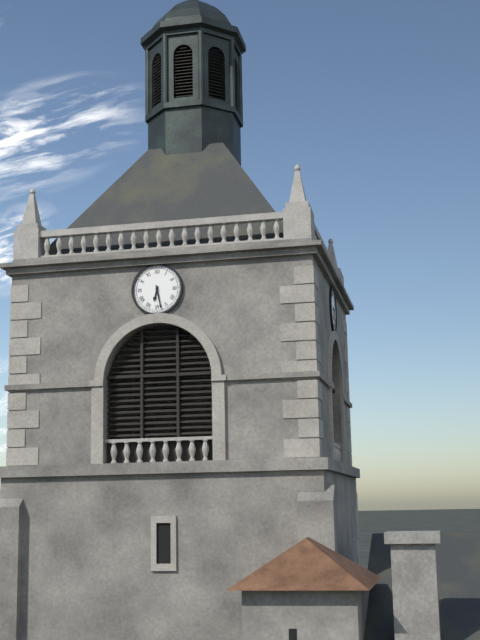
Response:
6.28
